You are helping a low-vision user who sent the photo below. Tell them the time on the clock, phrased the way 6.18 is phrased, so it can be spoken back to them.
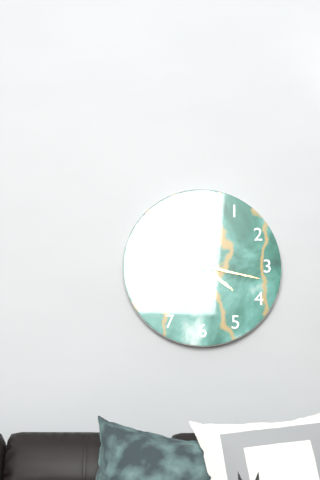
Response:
4.17
